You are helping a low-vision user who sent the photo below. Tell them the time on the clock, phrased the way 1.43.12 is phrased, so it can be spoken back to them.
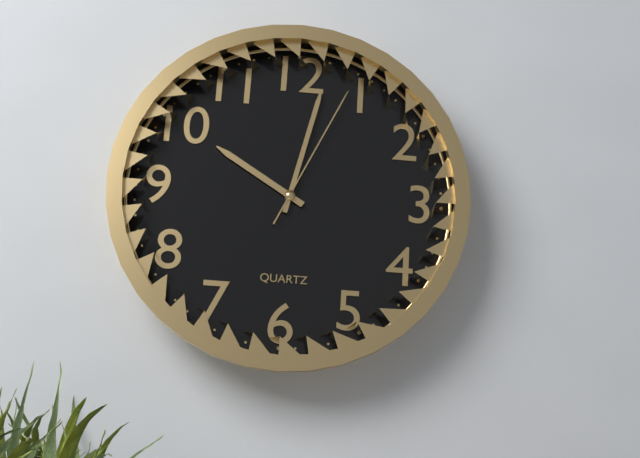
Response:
10.02.04
